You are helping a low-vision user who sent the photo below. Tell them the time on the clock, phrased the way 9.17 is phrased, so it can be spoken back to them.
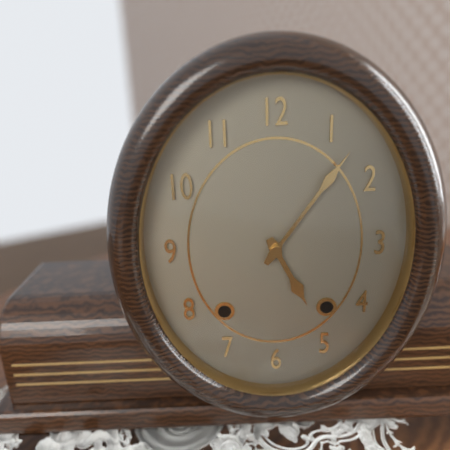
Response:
5.06
